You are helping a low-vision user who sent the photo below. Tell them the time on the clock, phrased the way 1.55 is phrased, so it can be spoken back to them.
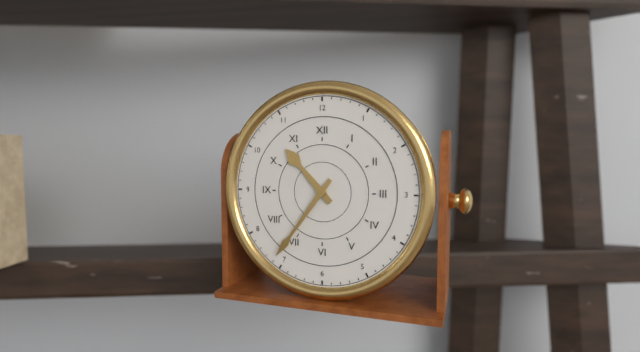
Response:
10.36
